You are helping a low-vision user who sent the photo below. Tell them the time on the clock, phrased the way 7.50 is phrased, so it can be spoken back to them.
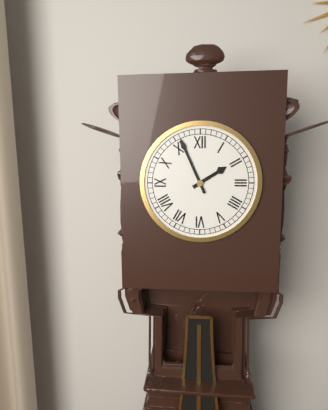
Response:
1.56
